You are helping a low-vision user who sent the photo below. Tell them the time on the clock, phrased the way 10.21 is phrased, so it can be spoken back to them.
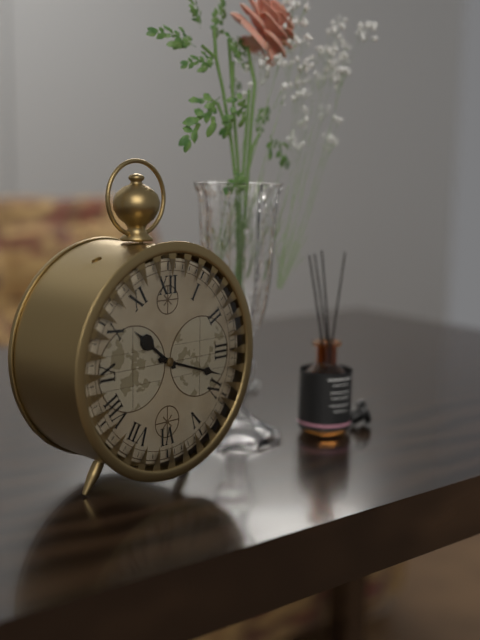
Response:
10.18
